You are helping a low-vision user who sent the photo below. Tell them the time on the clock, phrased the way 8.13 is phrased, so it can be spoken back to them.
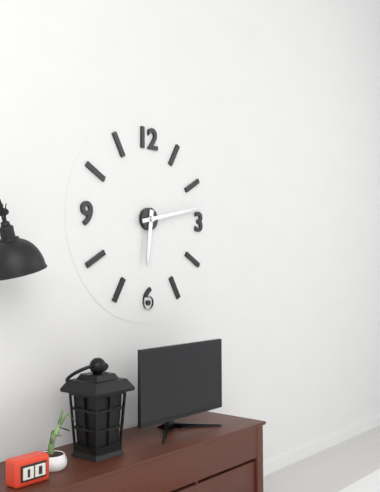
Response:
6.13
